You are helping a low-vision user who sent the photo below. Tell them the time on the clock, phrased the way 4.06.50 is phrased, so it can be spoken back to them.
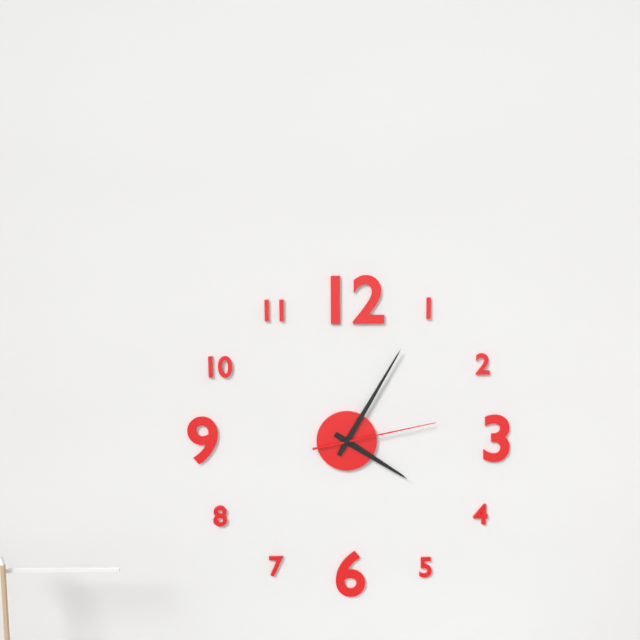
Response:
4.05.13
